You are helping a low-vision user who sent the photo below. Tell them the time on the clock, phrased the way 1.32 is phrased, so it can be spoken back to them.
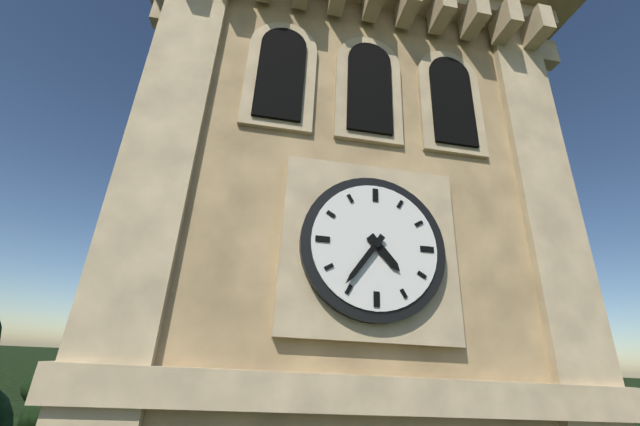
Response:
4.36
